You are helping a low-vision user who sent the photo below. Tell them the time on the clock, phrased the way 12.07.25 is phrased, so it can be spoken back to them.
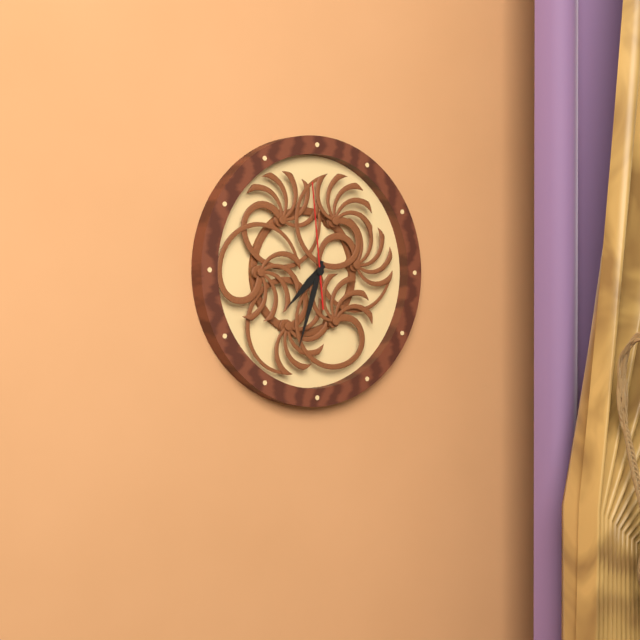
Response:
7.33.59
